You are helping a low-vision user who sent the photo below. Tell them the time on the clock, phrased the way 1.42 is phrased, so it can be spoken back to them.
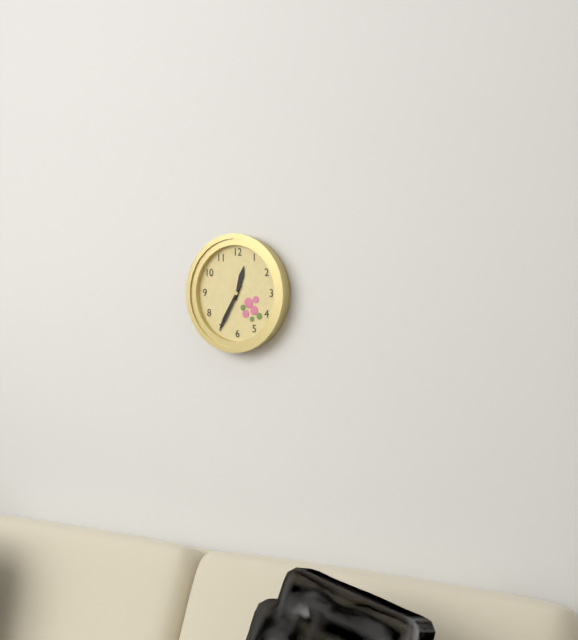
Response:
12.35
